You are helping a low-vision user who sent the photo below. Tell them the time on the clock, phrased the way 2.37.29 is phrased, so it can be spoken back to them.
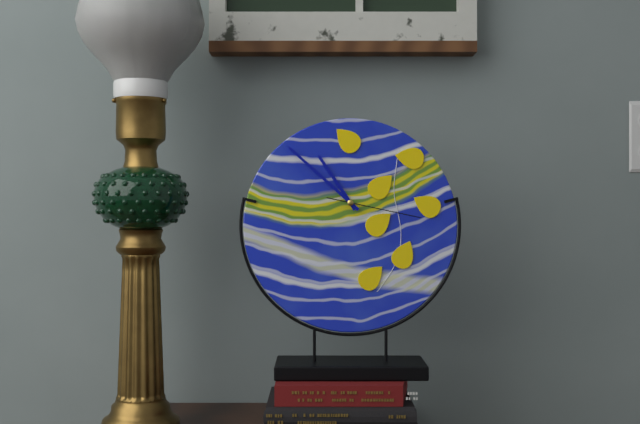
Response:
10.52.17
